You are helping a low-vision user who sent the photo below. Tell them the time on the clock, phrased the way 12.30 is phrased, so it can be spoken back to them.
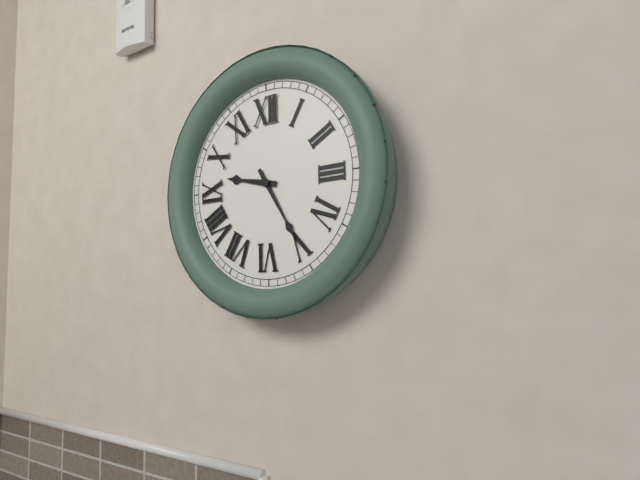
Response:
9.25
